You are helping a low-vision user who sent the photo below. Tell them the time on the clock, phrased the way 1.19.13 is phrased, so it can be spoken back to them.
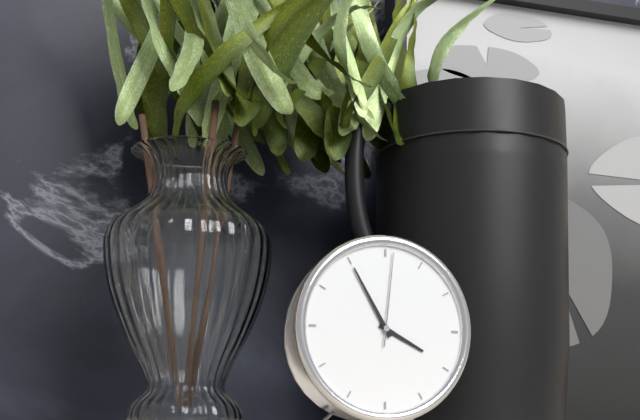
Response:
3.55.01
